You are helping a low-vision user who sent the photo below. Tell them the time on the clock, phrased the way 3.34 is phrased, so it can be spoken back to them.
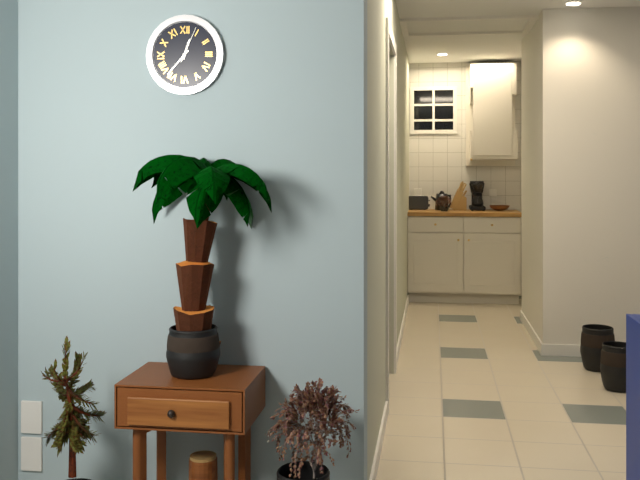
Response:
12.37
